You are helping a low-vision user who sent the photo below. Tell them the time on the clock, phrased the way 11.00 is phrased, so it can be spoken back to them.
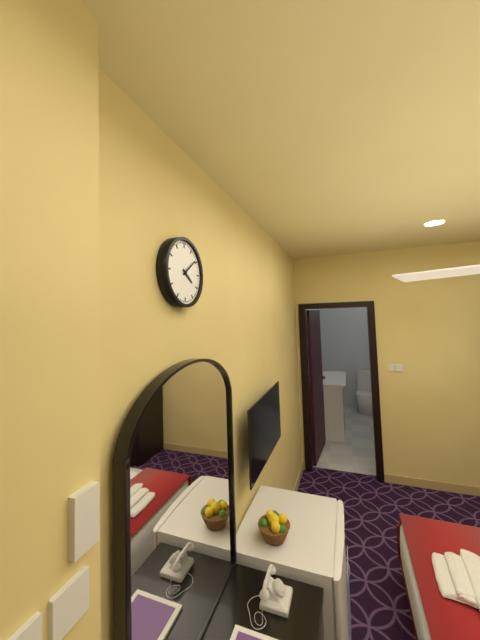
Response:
4.09
